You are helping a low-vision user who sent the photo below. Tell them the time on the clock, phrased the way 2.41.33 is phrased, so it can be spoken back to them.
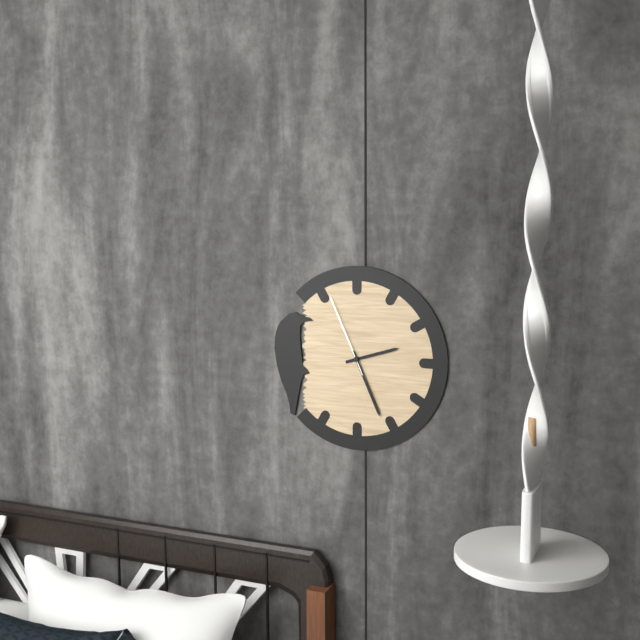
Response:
2.26.56
